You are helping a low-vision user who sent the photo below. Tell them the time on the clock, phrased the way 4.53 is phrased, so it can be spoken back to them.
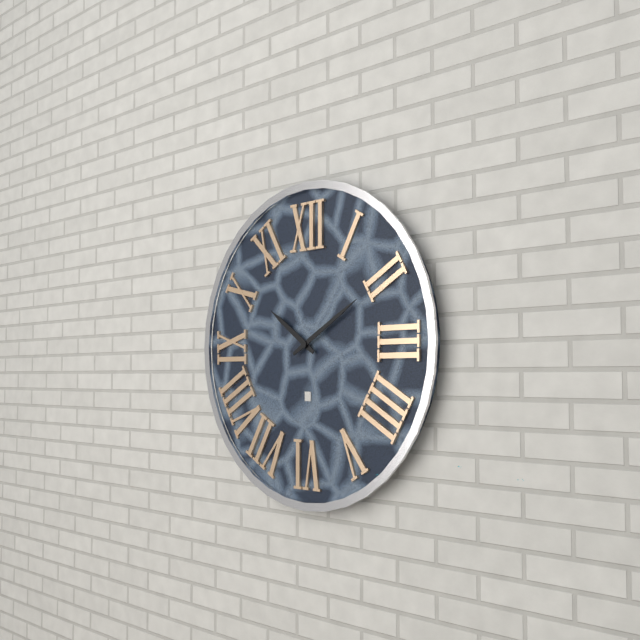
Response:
10.10
